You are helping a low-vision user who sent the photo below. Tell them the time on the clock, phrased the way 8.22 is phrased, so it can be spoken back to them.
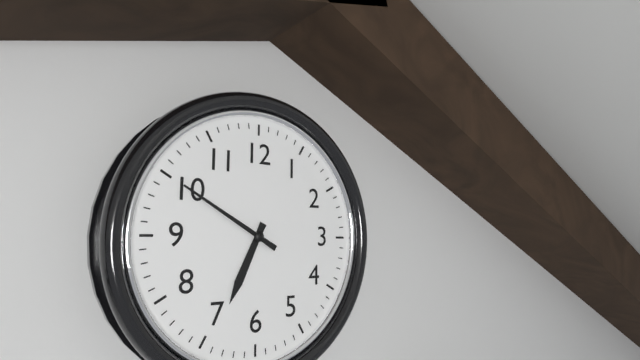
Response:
6.50
